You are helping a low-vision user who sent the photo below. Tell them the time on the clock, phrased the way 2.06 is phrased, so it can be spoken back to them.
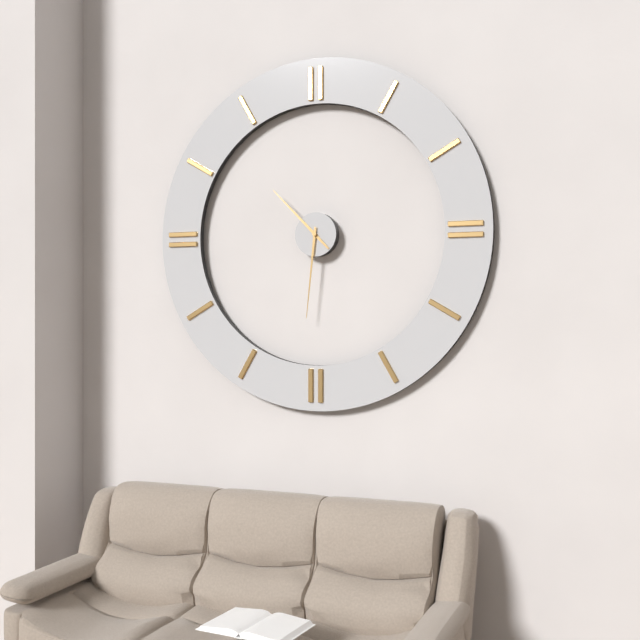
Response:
10.31
